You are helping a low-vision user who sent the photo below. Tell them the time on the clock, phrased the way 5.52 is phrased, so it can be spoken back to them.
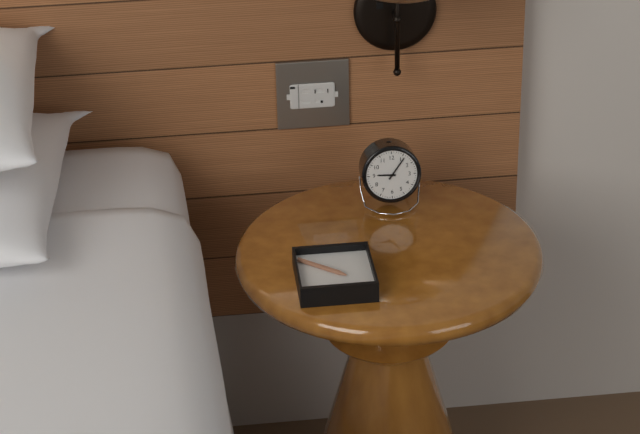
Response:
9.06
